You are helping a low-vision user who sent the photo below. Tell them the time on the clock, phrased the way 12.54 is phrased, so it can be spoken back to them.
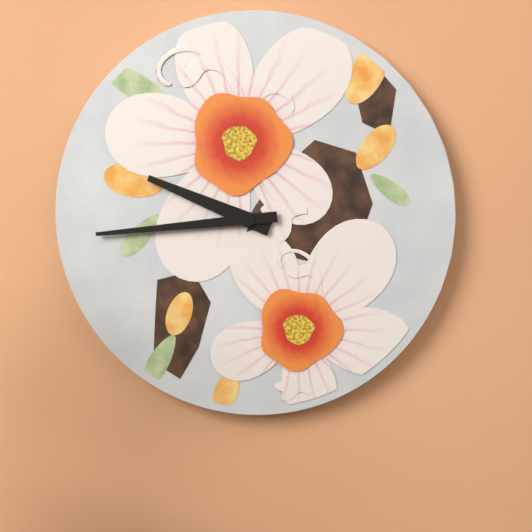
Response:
9.44
